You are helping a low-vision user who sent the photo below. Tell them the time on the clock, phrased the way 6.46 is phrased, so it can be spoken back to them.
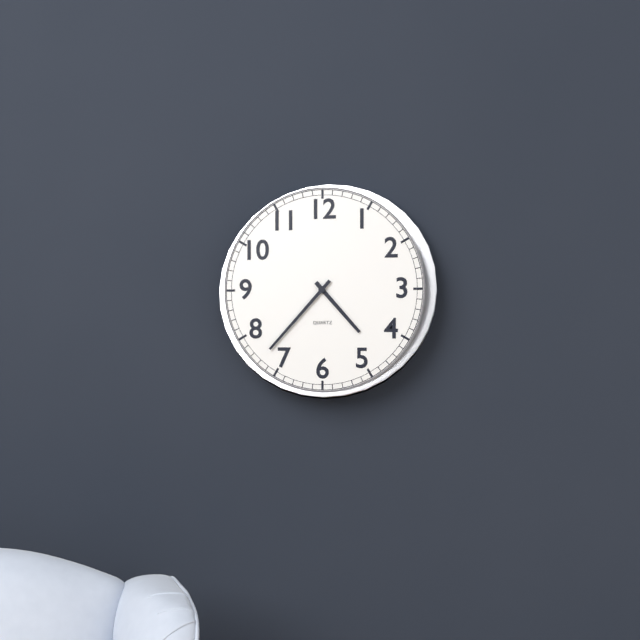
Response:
4.37
